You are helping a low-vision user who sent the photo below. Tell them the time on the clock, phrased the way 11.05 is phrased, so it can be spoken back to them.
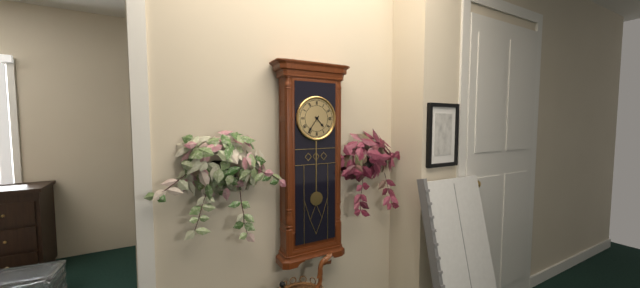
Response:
4.36
